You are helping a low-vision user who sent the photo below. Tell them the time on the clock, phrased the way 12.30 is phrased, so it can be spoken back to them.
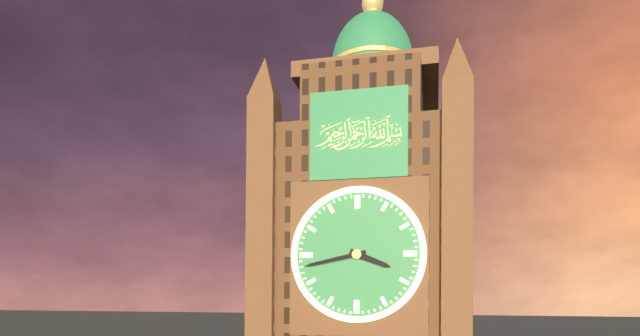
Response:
3.43
